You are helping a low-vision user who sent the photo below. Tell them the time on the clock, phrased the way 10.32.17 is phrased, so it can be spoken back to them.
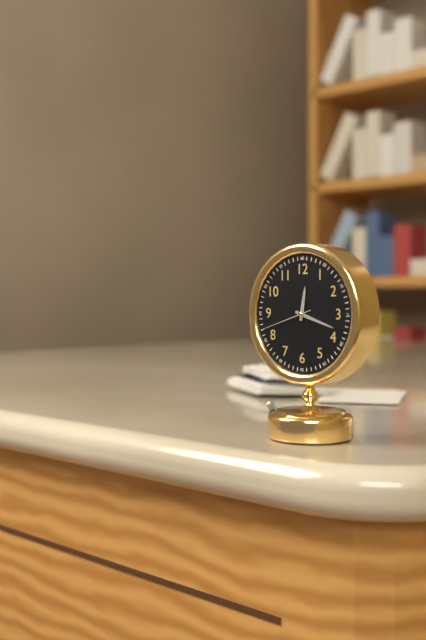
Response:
12.18.42
